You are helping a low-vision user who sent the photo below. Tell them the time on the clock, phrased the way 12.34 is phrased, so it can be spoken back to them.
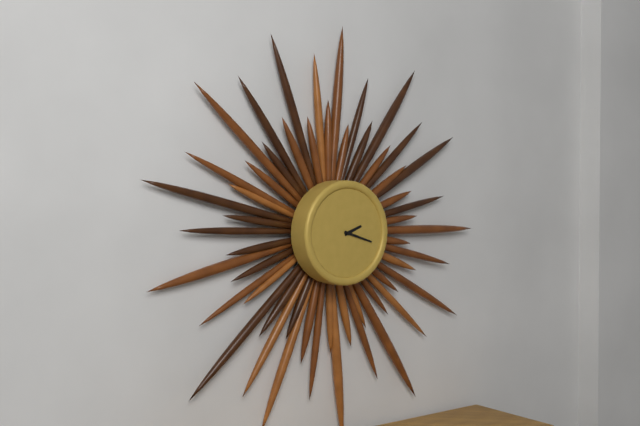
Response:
2.18
